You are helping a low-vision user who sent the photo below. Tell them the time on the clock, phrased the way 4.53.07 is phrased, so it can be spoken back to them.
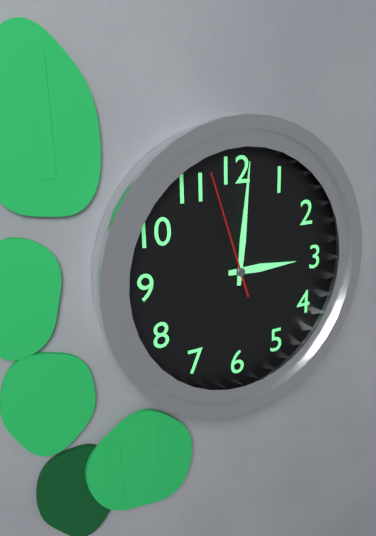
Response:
3.01.57
